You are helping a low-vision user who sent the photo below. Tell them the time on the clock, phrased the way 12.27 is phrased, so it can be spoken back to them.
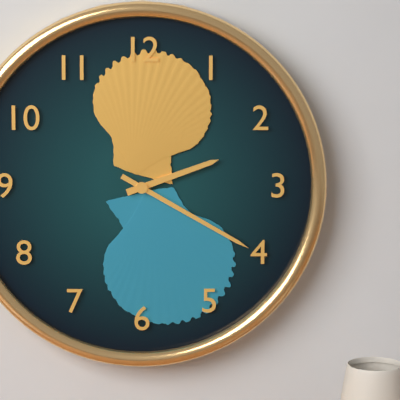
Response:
2.20
